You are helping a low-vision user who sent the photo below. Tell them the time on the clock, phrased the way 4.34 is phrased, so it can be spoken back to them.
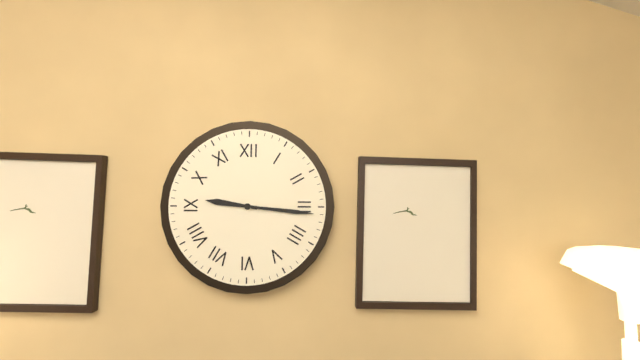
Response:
9.16
